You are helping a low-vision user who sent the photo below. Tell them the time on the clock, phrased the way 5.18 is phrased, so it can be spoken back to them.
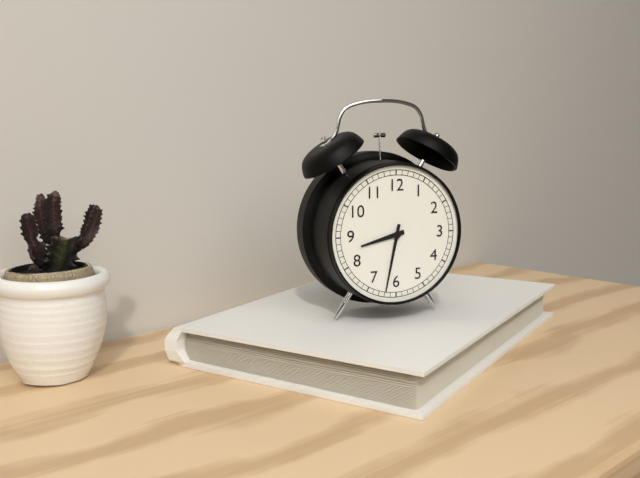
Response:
8.32
